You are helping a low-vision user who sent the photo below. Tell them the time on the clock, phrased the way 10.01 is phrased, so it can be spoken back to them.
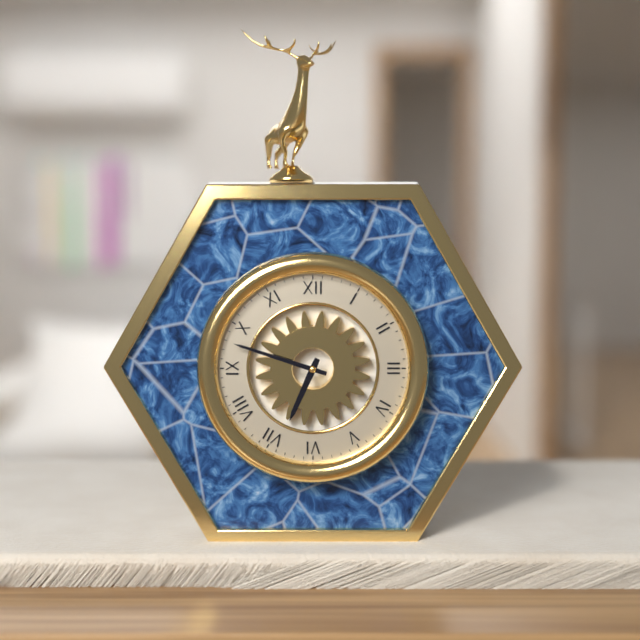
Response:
6.48
